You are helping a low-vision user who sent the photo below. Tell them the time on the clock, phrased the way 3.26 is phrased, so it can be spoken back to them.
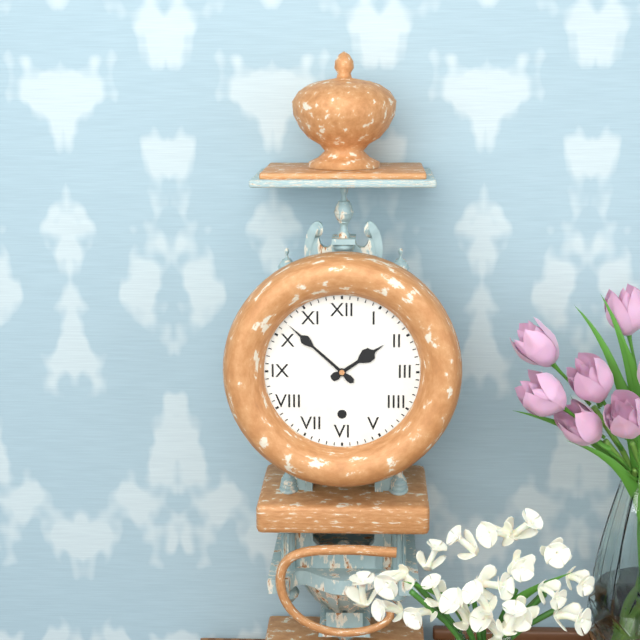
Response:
1.52
